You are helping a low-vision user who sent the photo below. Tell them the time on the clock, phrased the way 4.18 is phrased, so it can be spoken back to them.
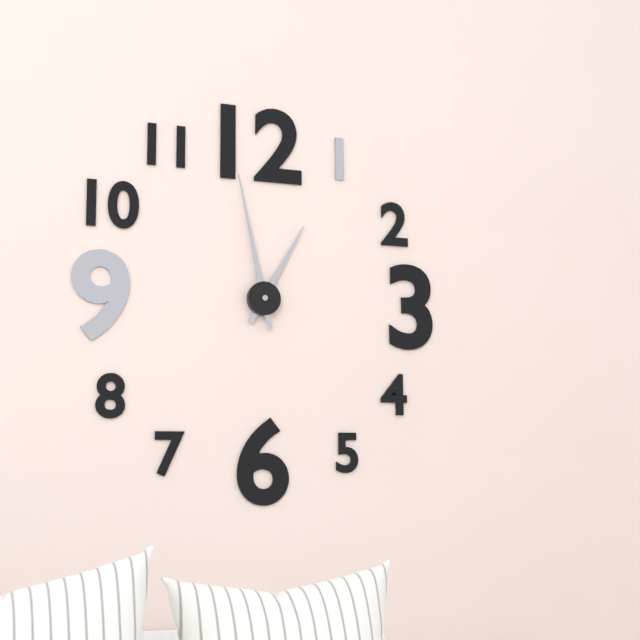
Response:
12.58
